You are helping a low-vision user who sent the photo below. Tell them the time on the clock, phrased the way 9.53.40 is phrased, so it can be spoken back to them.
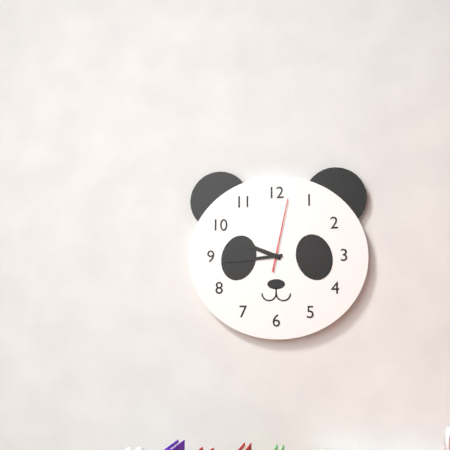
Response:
9.44.02
